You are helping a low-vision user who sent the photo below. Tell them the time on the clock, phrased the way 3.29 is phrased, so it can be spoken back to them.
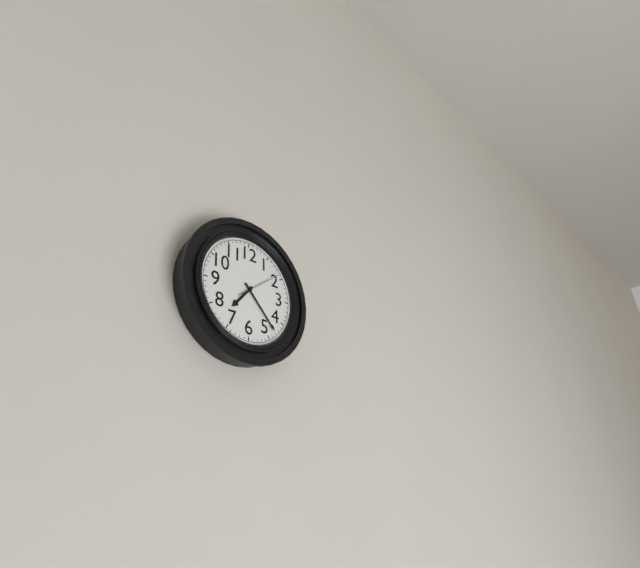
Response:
7.23
